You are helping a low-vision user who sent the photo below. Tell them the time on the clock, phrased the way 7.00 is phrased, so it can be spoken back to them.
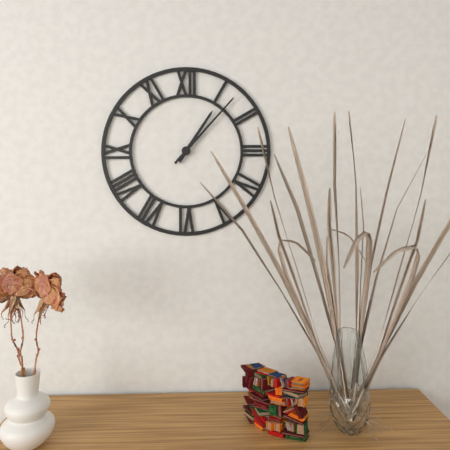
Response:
1.07
